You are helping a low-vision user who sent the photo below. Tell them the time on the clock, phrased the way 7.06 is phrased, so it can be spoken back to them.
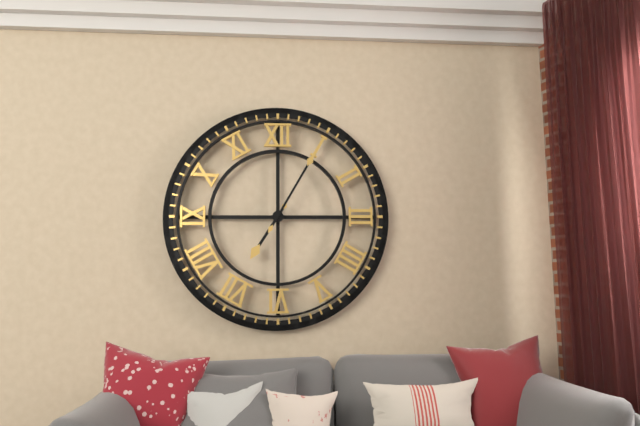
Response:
7.05
